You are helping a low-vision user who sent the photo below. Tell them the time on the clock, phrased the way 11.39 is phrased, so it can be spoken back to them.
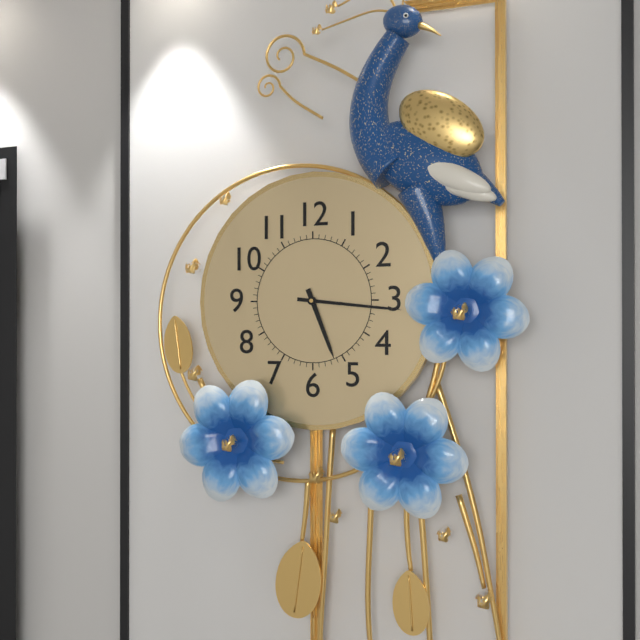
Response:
5.16
